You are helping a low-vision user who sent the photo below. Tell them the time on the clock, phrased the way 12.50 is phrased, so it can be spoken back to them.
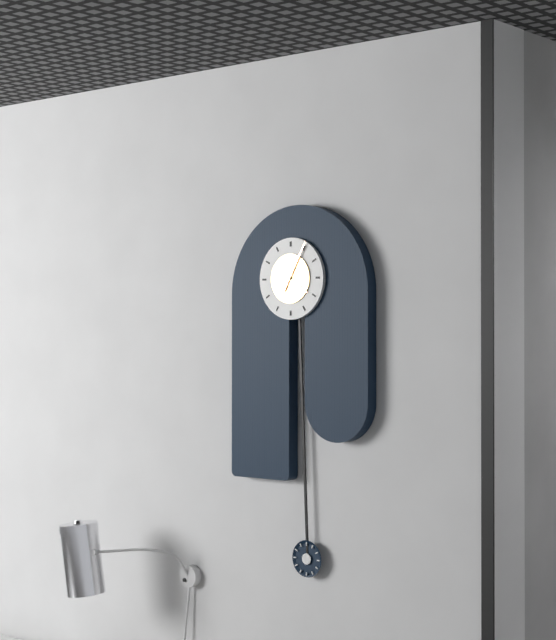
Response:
4.05
